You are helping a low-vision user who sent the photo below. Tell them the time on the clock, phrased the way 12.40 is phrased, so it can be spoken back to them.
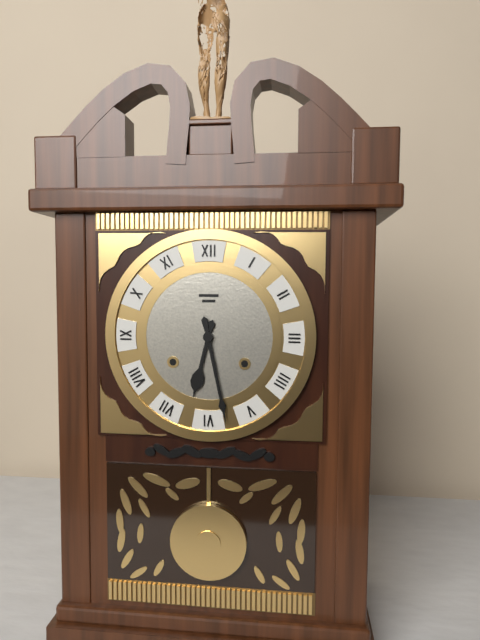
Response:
6.28
